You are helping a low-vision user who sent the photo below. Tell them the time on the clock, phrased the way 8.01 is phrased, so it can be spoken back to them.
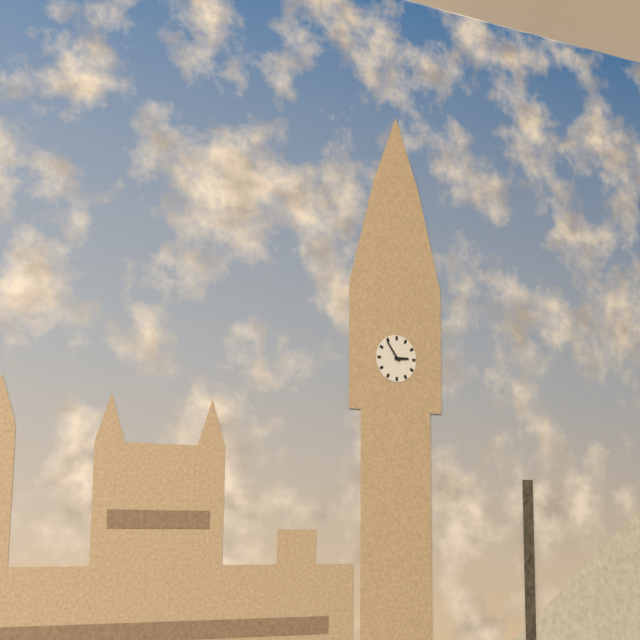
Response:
2.54
